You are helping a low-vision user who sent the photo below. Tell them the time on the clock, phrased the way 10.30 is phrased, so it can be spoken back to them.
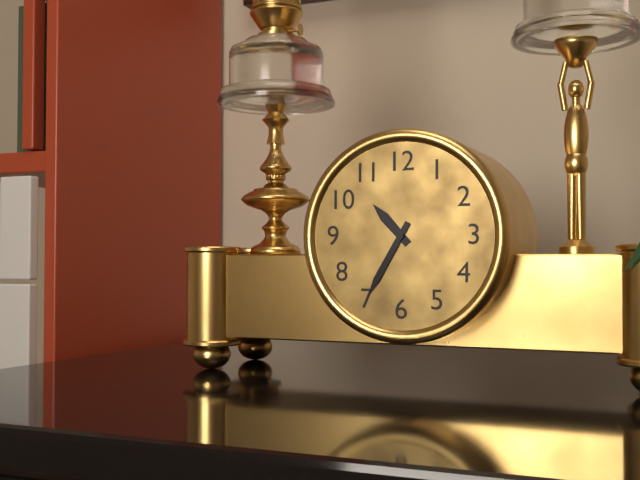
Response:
10.35
